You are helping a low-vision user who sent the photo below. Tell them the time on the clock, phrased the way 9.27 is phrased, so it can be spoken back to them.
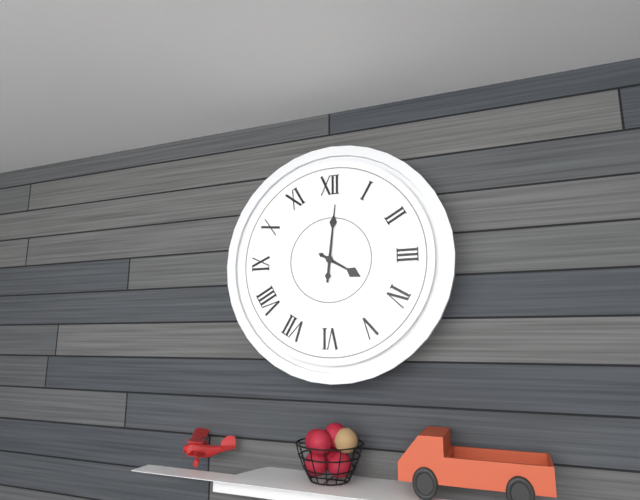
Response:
4.01
